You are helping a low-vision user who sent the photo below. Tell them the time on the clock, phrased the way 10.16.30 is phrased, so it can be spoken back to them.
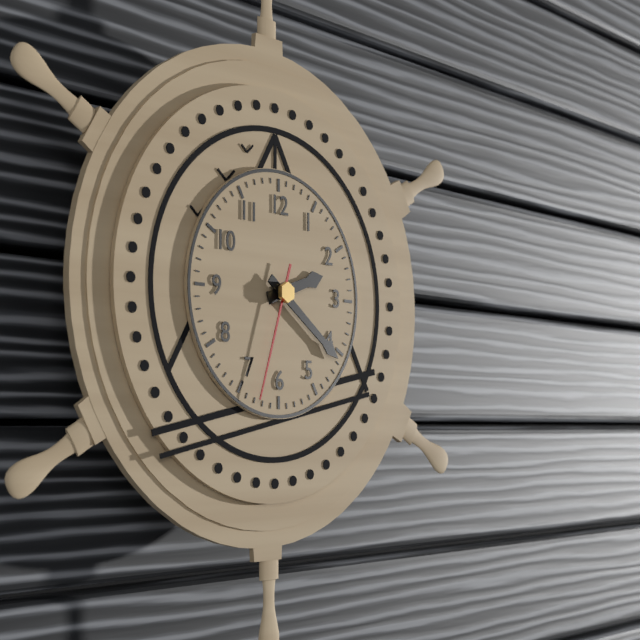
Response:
2.21.33
